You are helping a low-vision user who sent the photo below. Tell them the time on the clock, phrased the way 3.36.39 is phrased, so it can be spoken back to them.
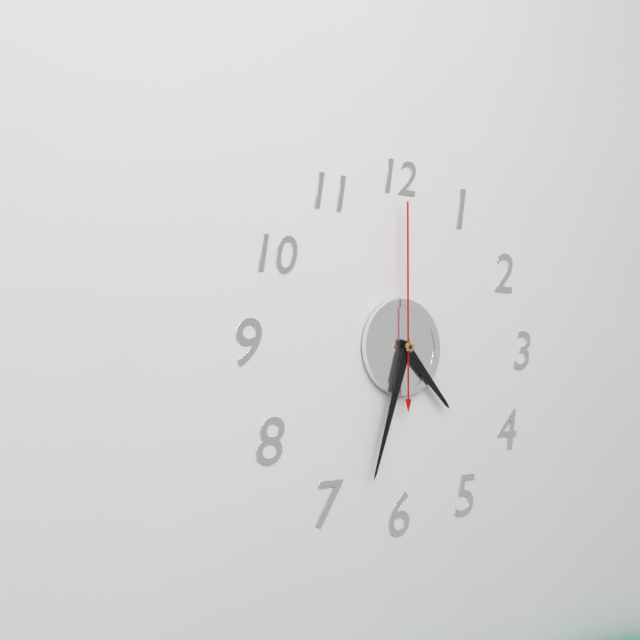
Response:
4.33.00
